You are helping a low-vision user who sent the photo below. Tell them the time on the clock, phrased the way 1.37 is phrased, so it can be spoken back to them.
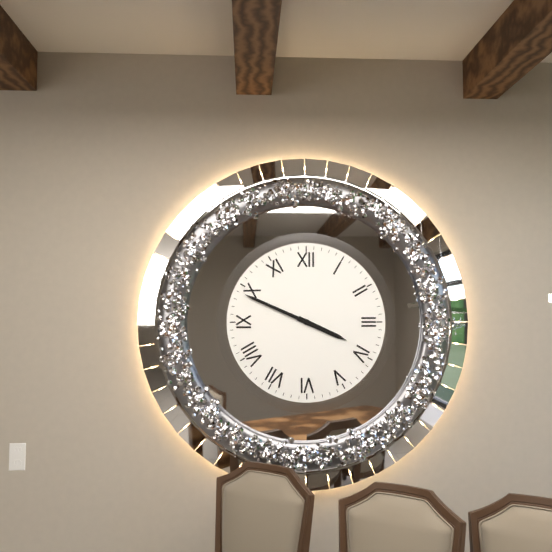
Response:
3.49
